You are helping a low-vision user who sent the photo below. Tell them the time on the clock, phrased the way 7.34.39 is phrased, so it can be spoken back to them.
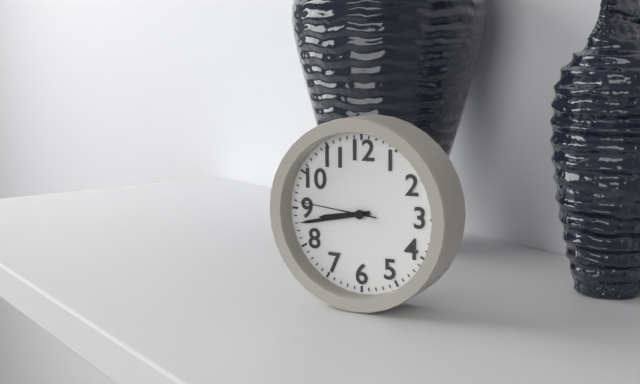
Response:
8.43.46
